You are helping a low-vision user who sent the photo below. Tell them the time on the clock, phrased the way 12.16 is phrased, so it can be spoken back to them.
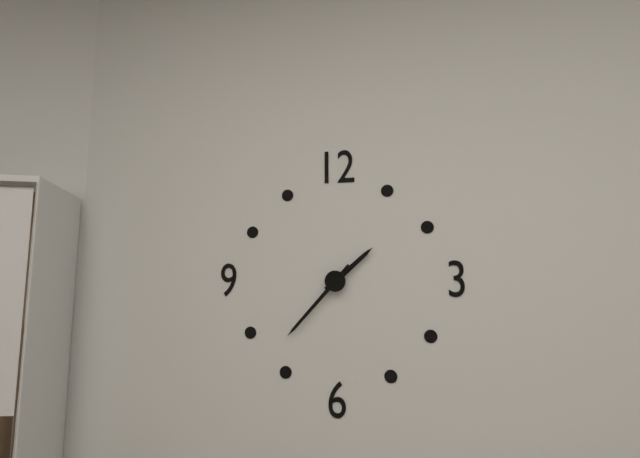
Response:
1.37
